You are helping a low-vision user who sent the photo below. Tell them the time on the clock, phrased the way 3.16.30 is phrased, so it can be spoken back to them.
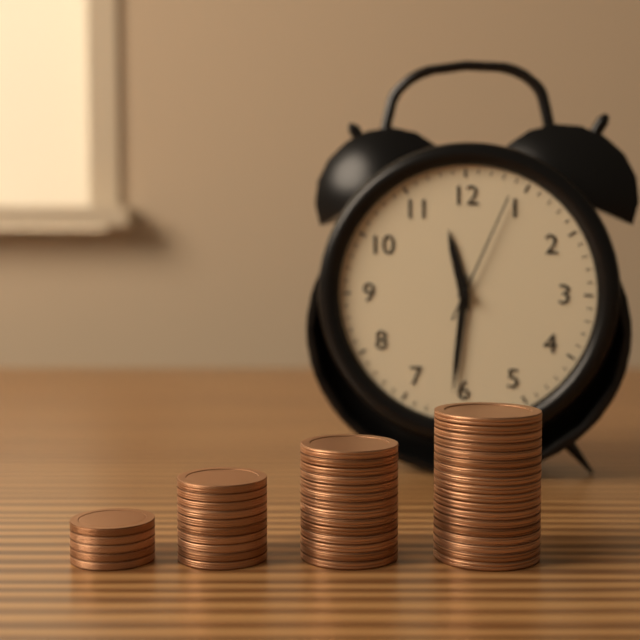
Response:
11.31.04
